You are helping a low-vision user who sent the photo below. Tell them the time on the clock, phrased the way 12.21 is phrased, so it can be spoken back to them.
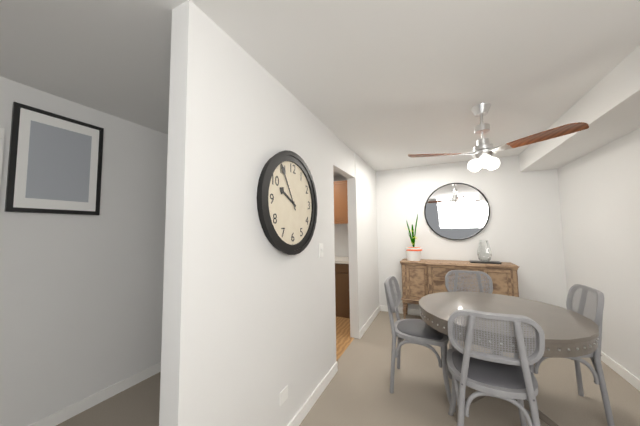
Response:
9.55
